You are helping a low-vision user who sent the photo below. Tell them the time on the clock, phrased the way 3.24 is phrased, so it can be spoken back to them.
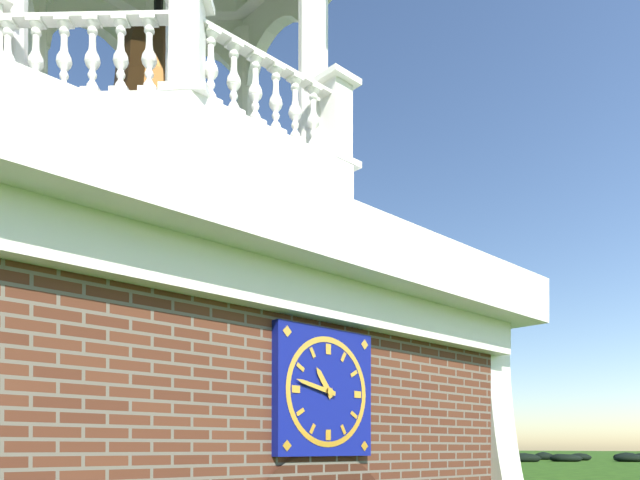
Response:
10.47
